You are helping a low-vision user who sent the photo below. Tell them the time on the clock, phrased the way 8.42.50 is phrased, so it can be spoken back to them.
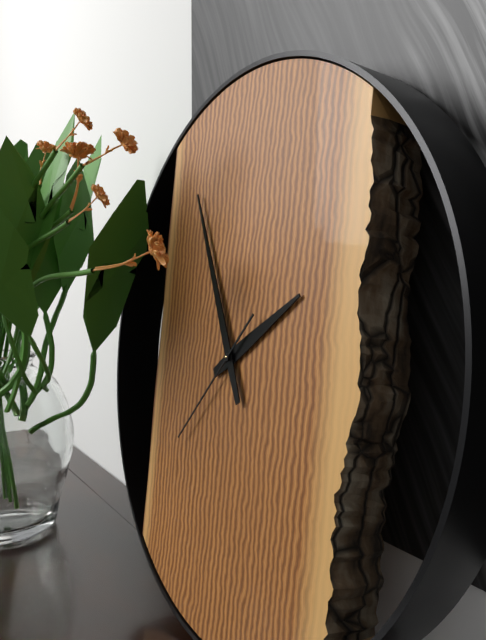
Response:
1.55.37
